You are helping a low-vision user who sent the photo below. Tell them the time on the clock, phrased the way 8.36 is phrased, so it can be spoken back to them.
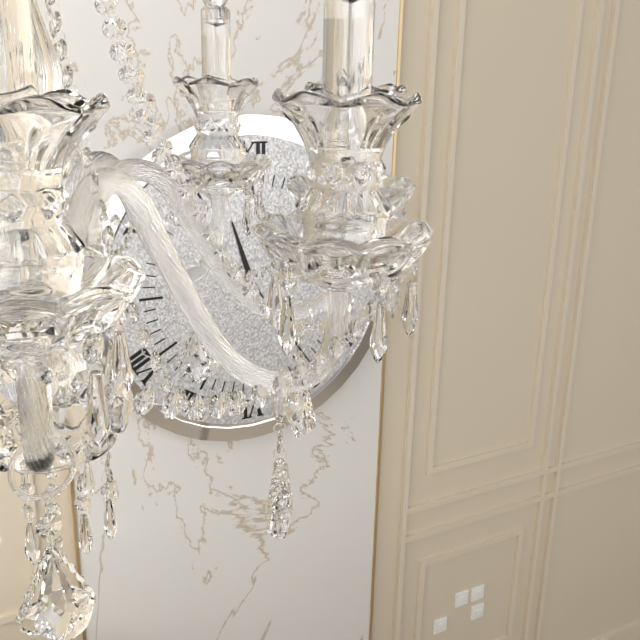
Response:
11.24
